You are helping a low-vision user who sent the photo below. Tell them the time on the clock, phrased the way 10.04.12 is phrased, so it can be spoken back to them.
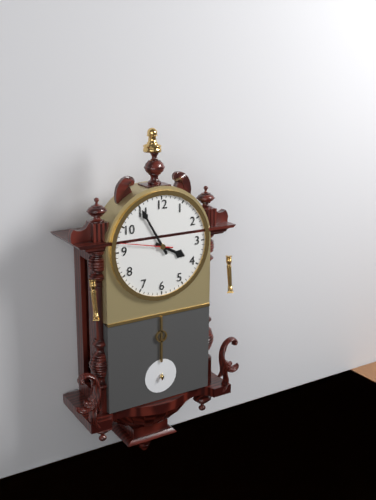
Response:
3.55.47
